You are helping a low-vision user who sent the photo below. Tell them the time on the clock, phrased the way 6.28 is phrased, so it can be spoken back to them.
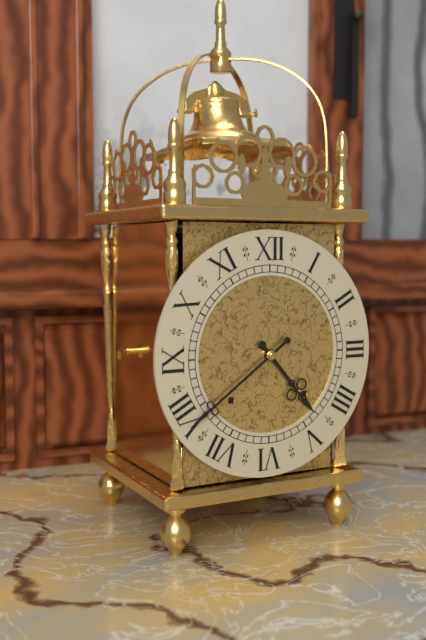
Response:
4.39
